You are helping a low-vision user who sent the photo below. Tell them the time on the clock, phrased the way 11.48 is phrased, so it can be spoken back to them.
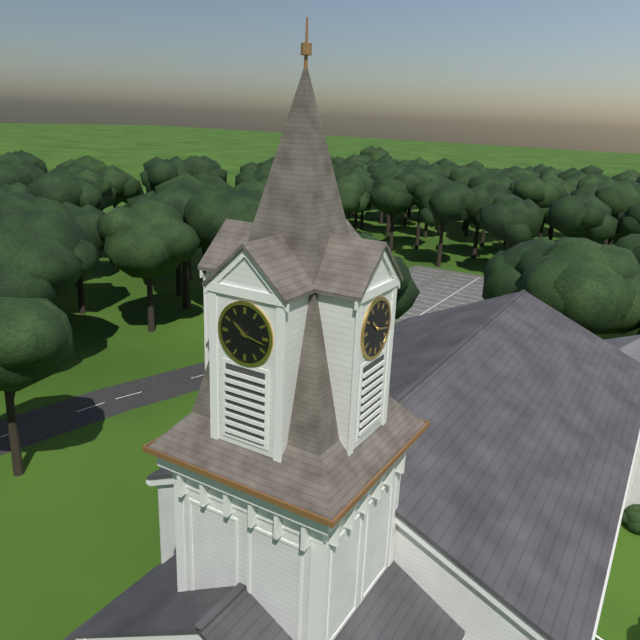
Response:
10.17
